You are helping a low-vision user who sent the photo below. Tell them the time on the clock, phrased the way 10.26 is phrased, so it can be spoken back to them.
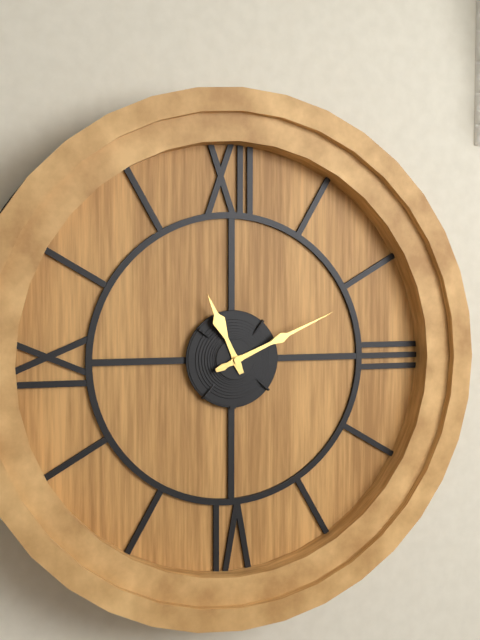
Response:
11.11
